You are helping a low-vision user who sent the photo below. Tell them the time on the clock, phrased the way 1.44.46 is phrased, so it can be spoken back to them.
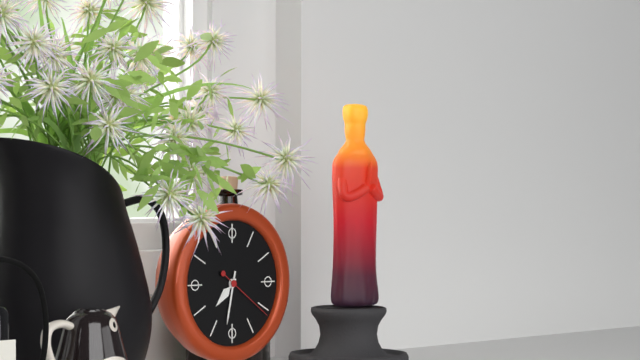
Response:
7.32.21
